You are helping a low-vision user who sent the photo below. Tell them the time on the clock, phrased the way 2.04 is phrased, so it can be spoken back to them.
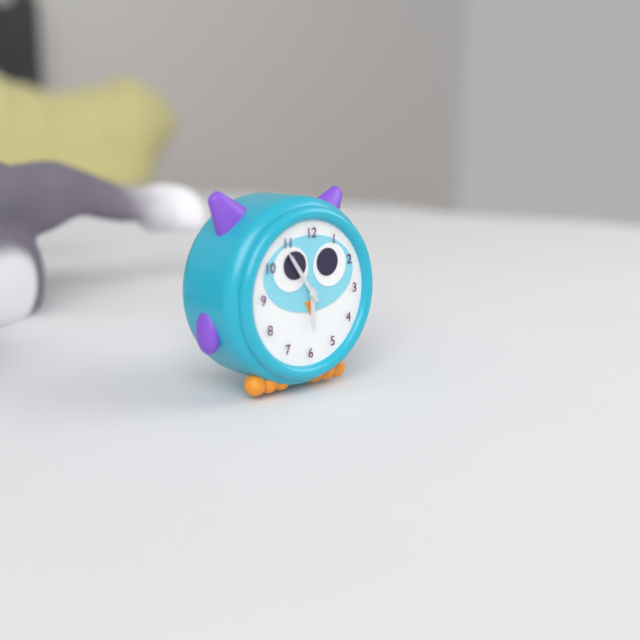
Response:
5.54
